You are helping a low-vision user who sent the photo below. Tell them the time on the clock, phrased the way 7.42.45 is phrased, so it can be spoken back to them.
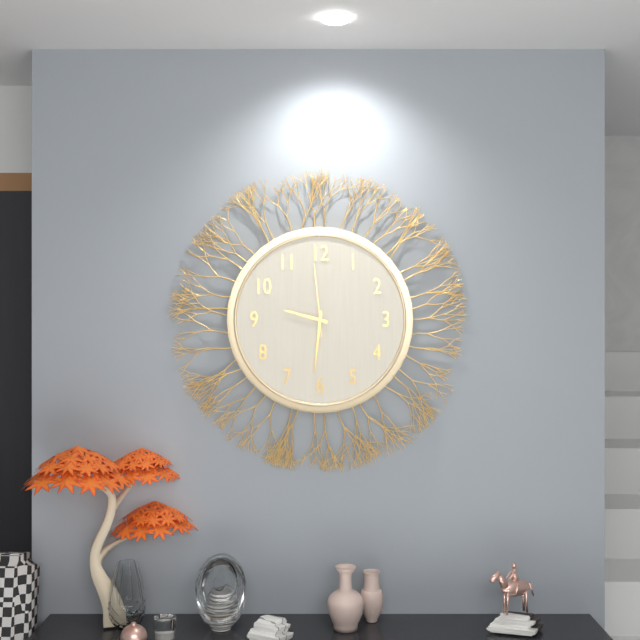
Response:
9.31.59
